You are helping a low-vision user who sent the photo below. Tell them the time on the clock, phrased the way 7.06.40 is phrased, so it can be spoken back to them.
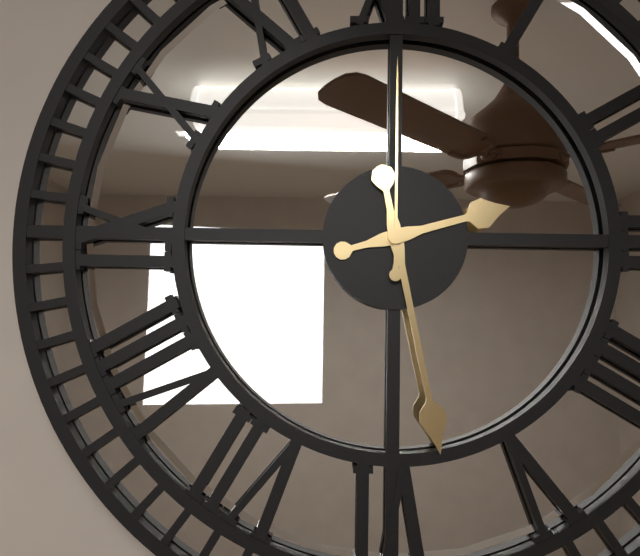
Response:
2.28.00
